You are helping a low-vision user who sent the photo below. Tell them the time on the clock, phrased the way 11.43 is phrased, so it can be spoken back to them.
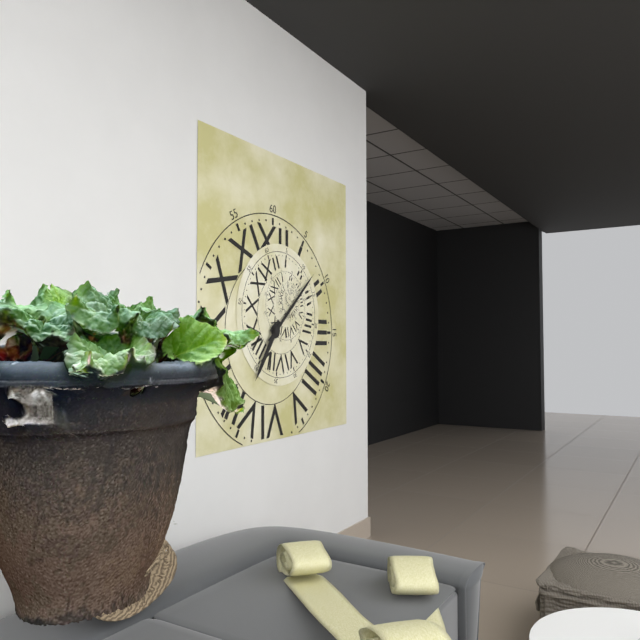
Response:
7.08
